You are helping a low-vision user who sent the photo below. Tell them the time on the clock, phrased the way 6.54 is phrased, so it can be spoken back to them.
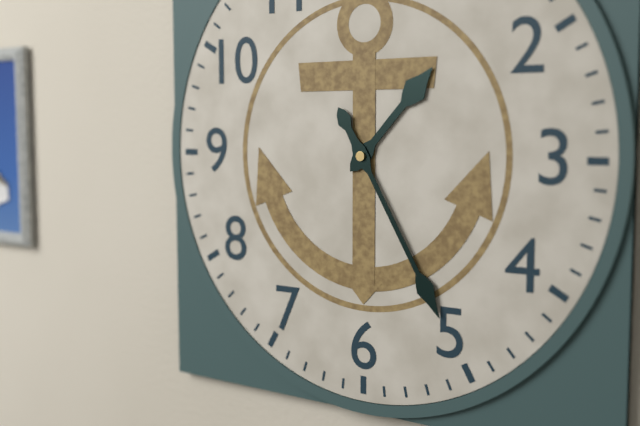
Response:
1.25
